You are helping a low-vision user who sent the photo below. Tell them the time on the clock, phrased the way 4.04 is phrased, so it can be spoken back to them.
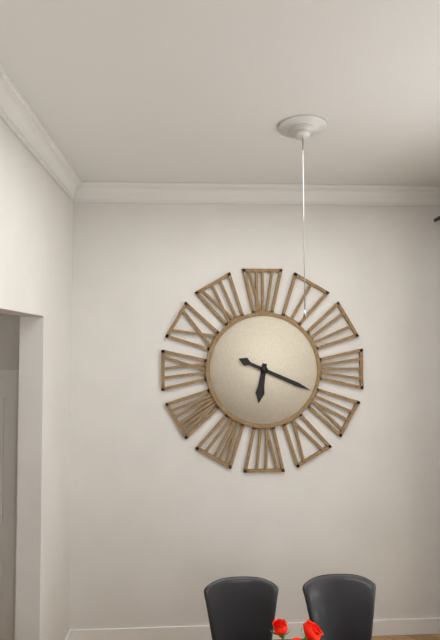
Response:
6.19
